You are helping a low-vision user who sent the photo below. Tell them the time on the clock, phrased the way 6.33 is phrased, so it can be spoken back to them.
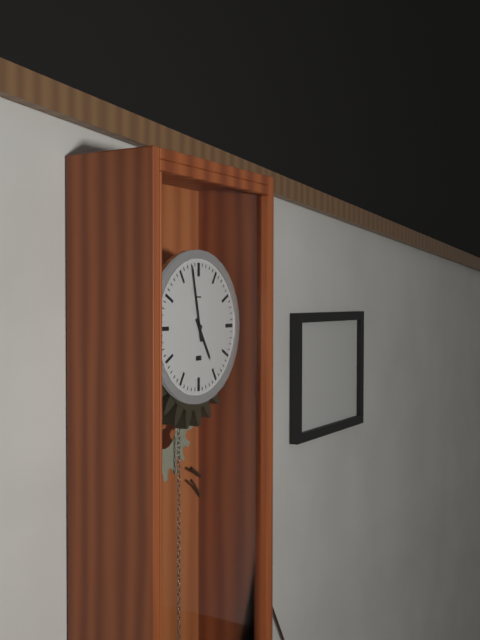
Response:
4.58
